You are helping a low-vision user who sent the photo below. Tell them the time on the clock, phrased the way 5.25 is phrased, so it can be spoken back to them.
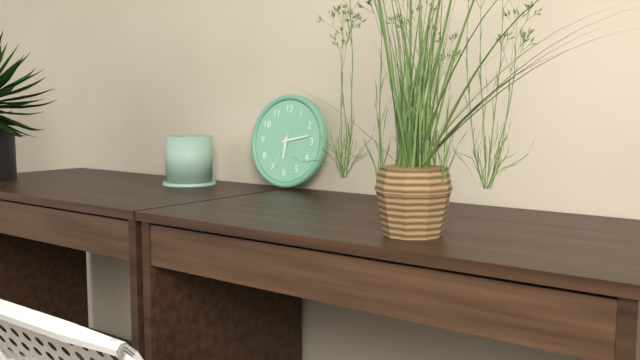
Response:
6.13
